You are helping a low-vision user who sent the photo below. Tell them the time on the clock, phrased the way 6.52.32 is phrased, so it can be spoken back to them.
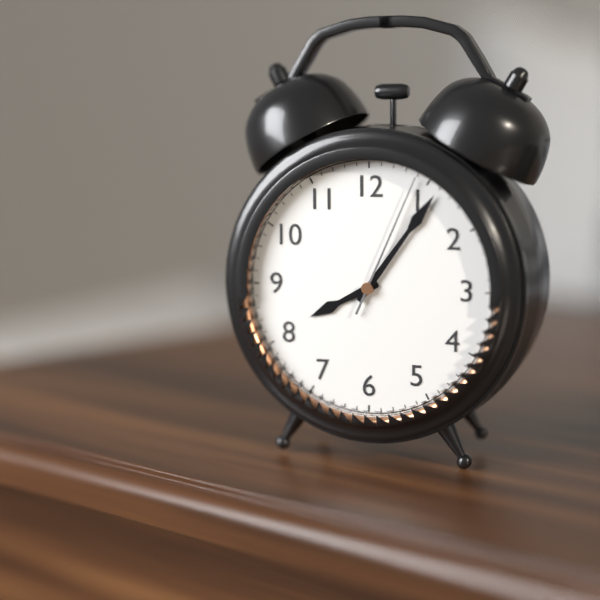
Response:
8.06.04
